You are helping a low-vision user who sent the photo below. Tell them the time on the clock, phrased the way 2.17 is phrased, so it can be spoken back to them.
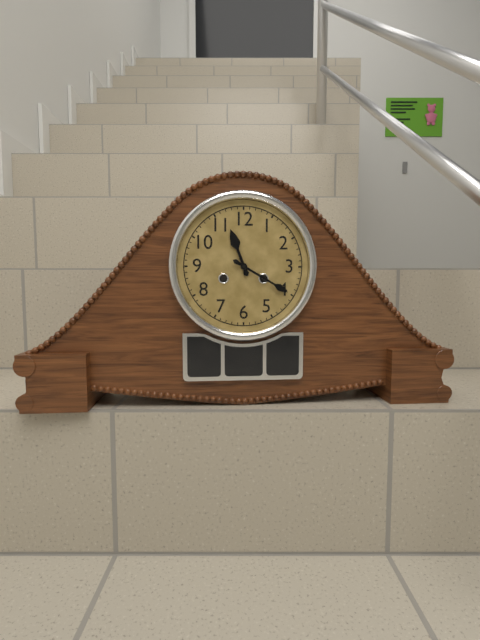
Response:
11.20
